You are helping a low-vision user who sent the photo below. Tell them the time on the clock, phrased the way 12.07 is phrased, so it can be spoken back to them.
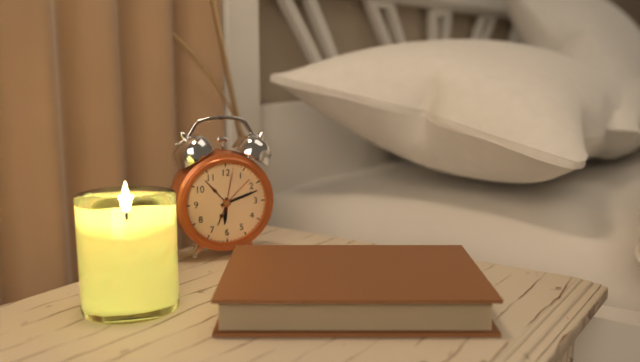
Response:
6.12
